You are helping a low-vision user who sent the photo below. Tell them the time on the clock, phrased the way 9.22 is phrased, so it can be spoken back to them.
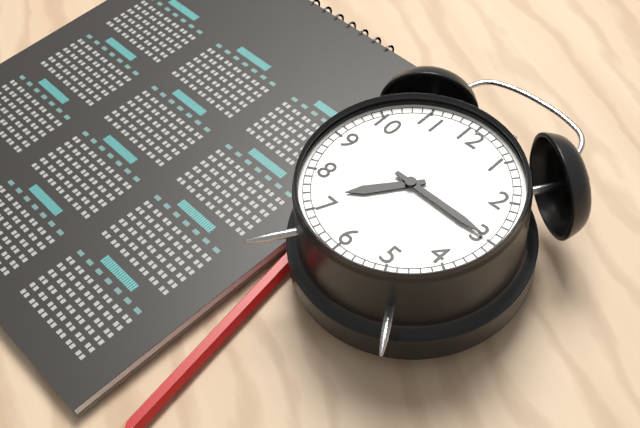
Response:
7.15
